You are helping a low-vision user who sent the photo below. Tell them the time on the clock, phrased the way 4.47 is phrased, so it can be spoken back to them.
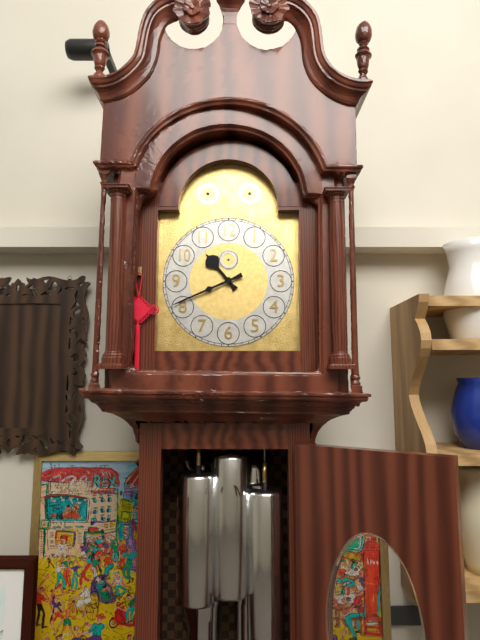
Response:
10.41
